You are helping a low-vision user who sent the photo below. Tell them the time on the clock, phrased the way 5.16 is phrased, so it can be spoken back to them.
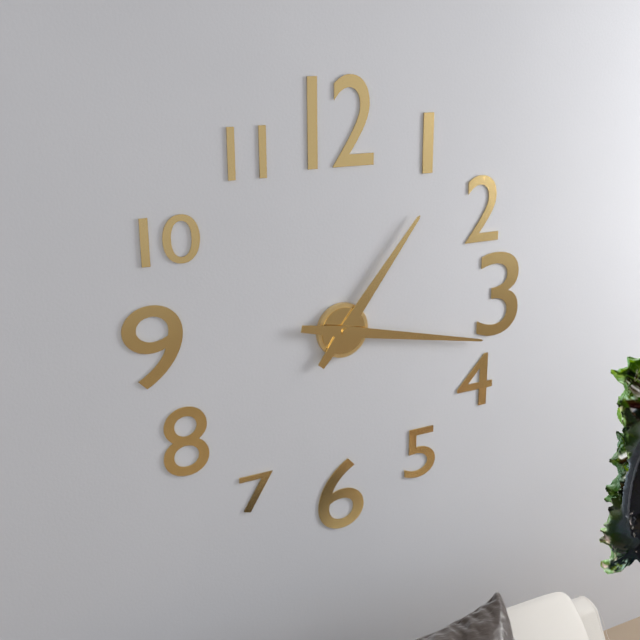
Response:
1.17
